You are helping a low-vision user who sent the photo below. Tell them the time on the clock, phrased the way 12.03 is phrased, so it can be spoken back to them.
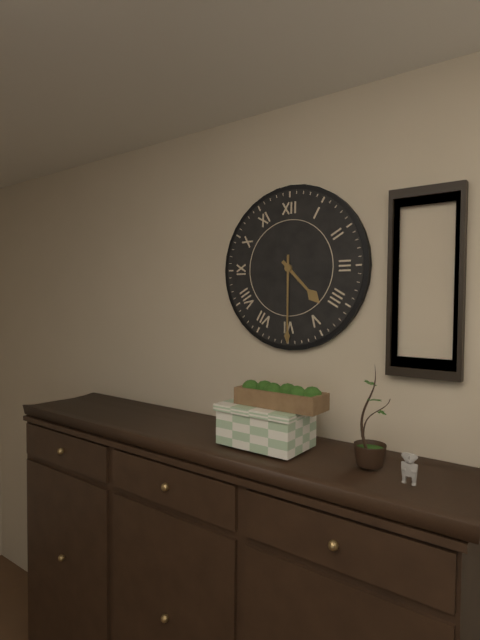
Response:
4.30
